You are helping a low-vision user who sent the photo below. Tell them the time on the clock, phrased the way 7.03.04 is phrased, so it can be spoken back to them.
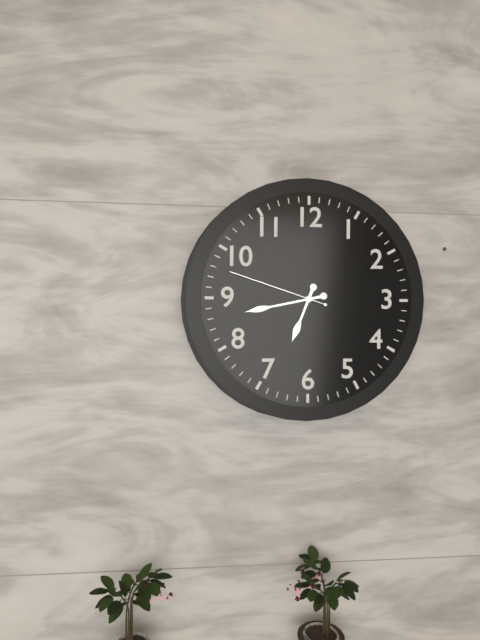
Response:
6.43.48
